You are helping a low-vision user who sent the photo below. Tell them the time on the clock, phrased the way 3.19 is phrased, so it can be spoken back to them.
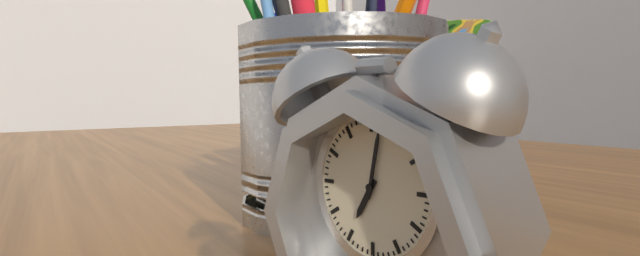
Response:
7.02
